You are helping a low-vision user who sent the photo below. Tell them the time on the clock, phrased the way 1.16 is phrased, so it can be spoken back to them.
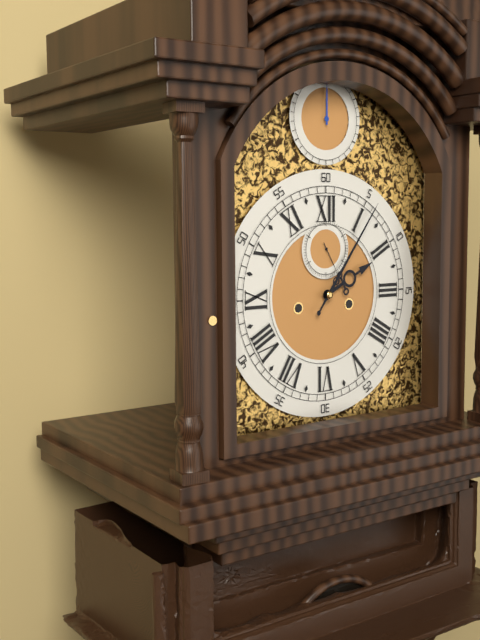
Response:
2.06
